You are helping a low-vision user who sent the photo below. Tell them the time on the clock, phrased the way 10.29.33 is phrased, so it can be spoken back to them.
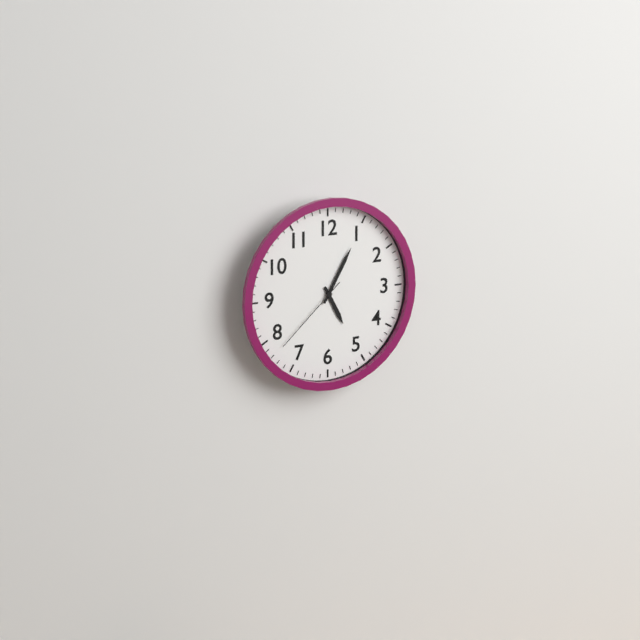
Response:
5.05.38
